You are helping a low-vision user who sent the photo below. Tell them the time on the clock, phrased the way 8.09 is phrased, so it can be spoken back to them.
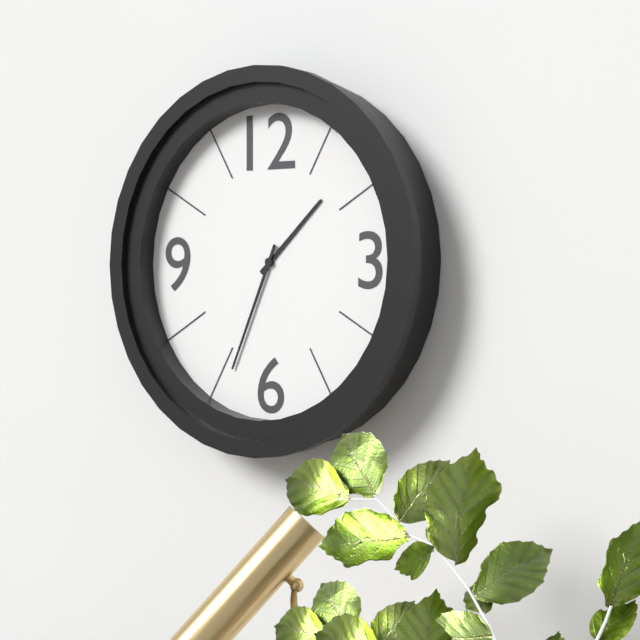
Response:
1.34
